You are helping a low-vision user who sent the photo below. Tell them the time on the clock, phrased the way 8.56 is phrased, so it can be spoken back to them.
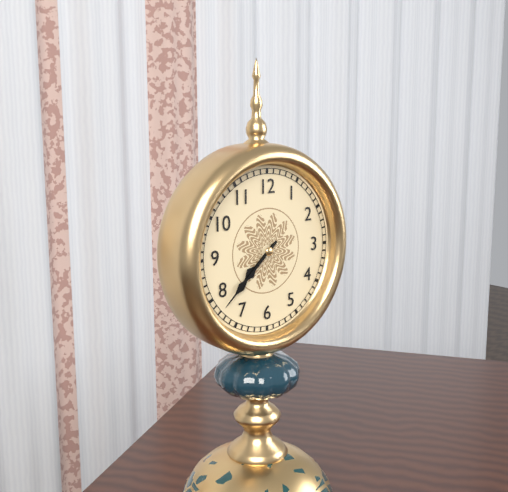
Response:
7.38
